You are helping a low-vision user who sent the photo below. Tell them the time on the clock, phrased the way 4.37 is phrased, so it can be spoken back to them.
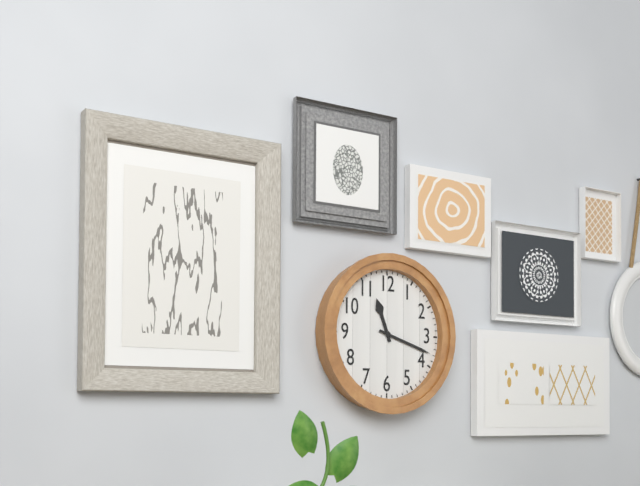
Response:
11.18
